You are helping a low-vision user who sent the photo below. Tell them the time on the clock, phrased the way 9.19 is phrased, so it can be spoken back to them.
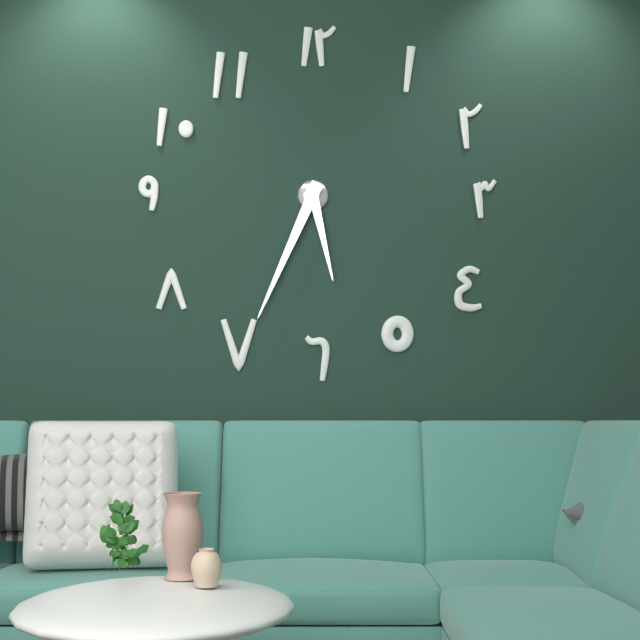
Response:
5.34
